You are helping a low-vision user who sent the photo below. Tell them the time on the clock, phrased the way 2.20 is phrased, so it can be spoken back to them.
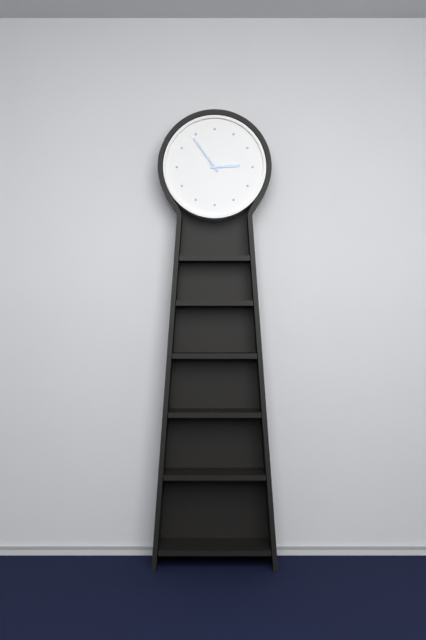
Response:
2.54
